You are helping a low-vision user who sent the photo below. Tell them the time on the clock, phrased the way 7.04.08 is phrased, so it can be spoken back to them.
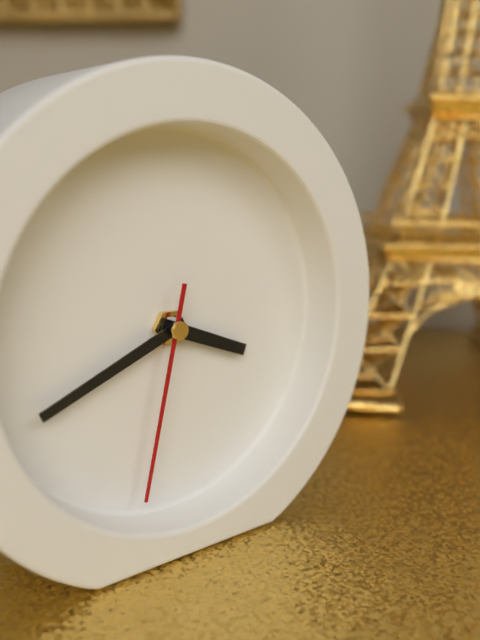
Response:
3.41.32
